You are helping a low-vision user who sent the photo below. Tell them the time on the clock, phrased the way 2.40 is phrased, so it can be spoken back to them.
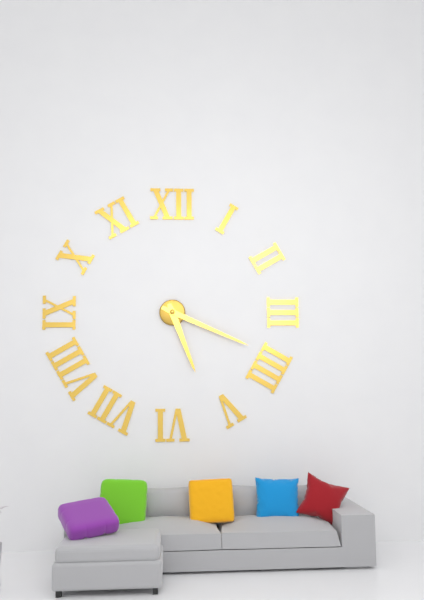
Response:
5.19
